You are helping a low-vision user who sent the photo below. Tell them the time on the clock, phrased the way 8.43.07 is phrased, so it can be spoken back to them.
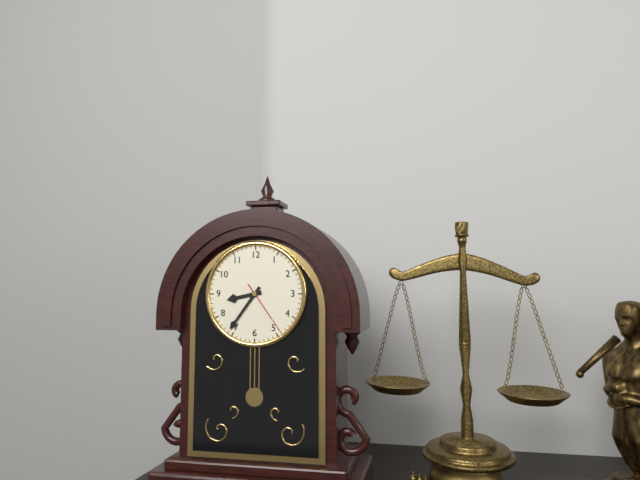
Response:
8.36.24
